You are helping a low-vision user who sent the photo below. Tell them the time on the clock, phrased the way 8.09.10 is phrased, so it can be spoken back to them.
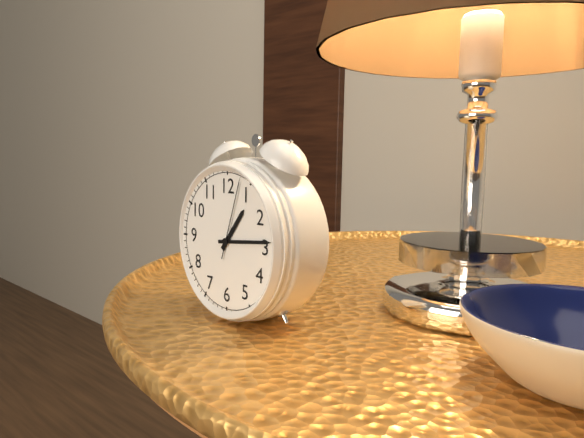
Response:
1.14.03
